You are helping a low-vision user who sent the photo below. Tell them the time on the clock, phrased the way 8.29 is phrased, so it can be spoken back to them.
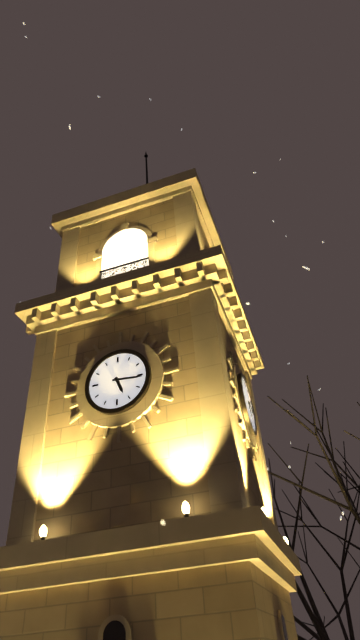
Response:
5.16
